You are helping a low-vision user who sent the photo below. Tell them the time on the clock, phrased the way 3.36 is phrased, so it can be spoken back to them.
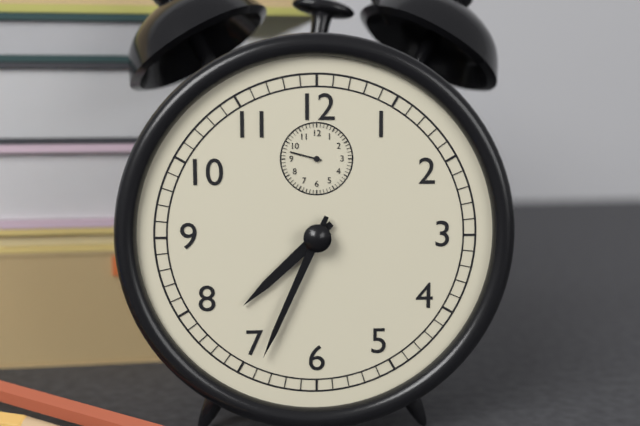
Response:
7.34
